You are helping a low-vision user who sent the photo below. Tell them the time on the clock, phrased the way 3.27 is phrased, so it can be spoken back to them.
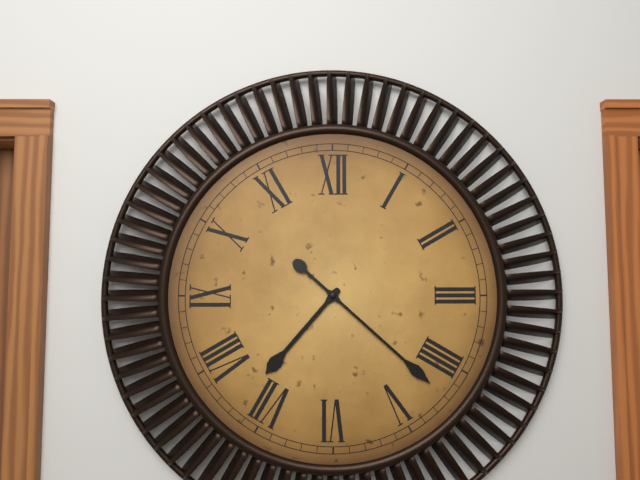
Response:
7.22
